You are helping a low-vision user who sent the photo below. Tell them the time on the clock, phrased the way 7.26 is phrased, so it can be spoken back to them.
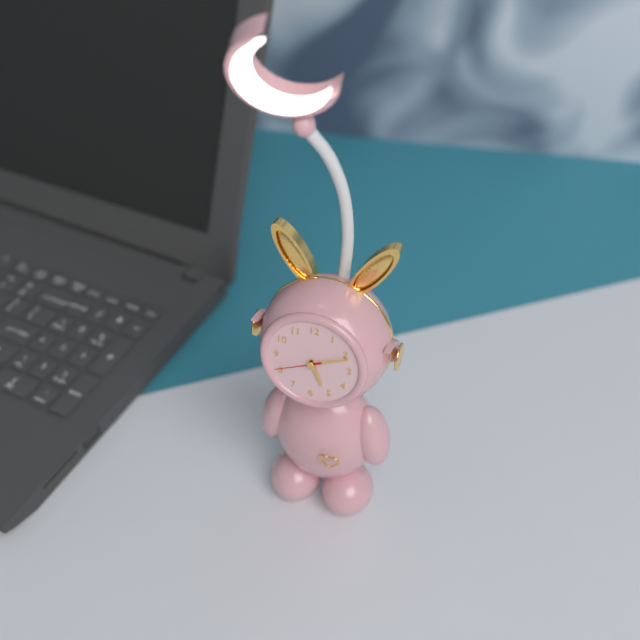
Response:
5.11
